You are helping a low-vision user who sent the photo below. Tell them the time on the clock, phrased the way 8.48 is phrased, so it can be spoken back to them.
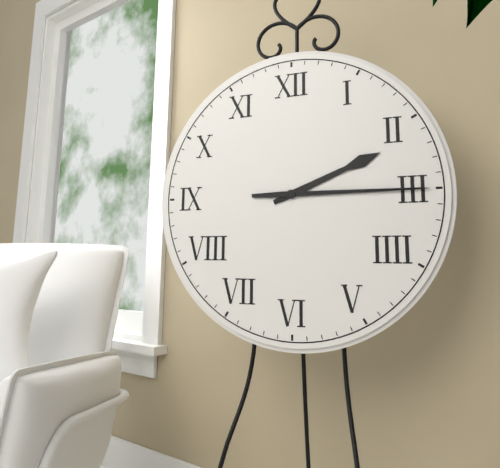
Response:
2.15
